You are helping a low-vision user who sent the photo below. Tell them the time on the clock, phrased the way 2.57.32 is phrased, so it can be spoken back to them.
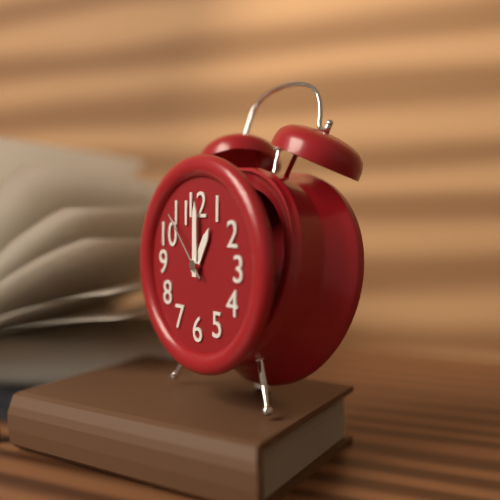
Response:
1.00.53
